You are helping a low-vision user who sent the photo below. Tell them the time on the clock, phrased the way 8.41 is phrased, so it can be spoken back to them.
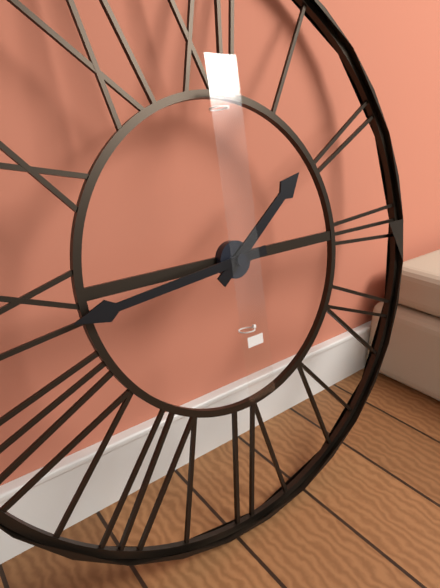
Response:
1.44
